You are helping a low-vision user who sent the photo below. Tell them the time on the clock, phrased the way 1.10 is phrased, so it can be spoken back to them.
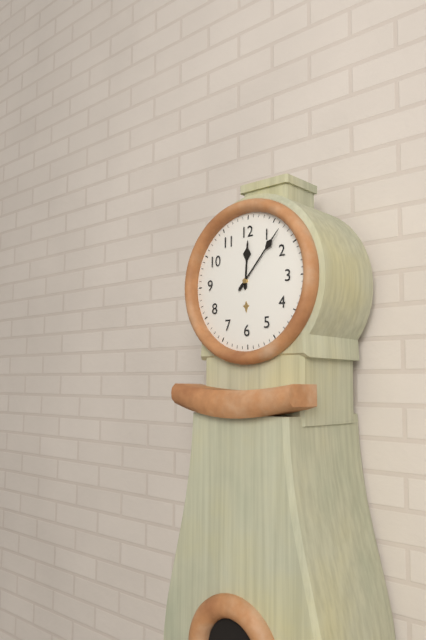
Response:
12.07
